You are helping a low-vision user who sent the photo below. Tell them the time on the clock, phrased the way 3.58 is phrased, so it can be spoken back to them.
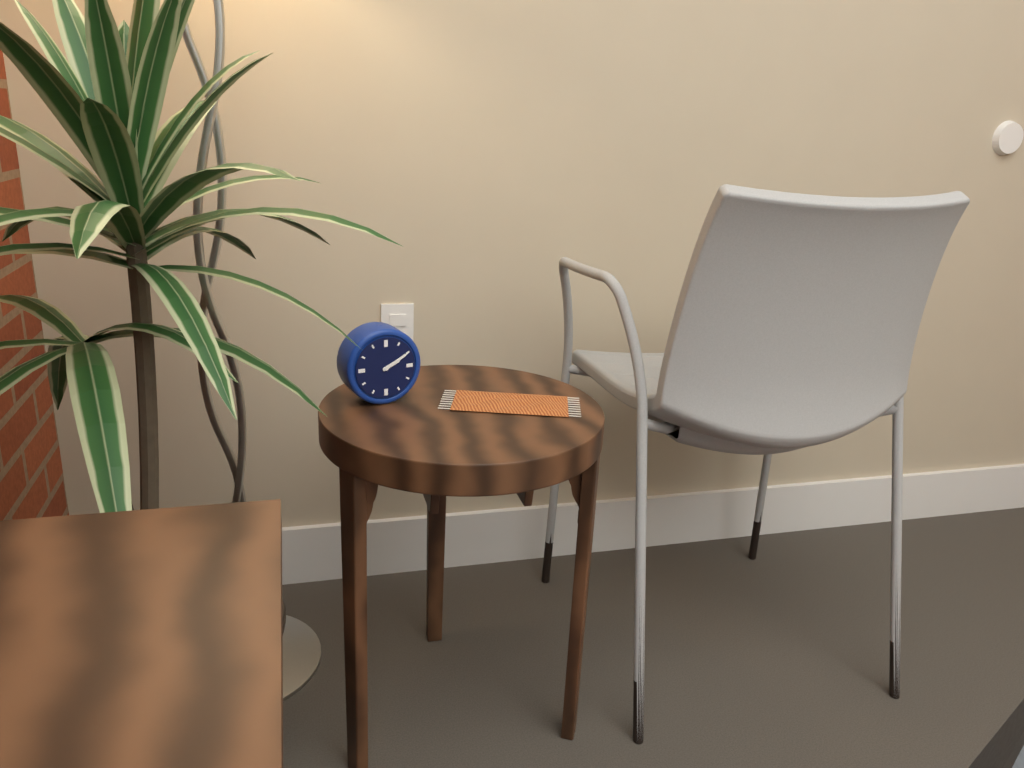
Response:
2.10
